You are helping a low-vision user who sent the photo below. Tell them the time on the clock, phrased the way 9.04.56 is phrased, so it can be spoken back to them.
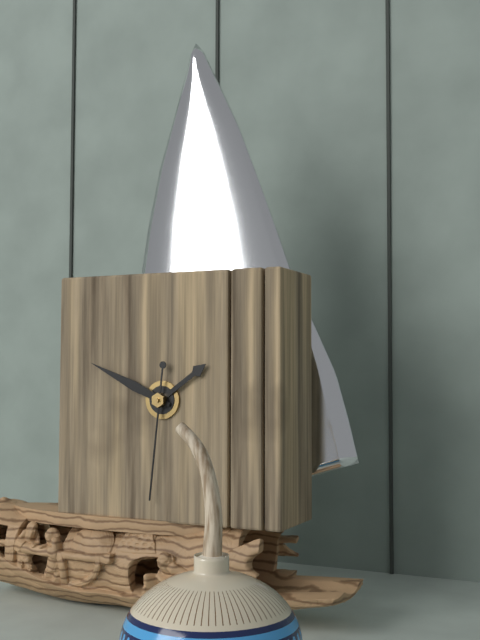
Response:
1.49.31
